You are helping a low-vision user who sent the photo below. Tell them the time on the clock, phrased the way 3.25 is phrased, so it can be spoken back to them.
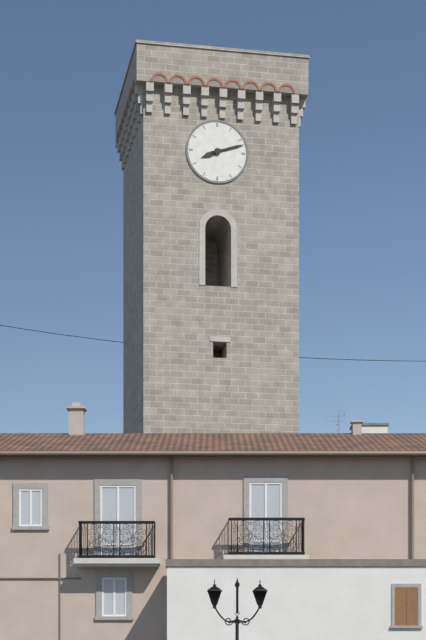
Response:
8.12
